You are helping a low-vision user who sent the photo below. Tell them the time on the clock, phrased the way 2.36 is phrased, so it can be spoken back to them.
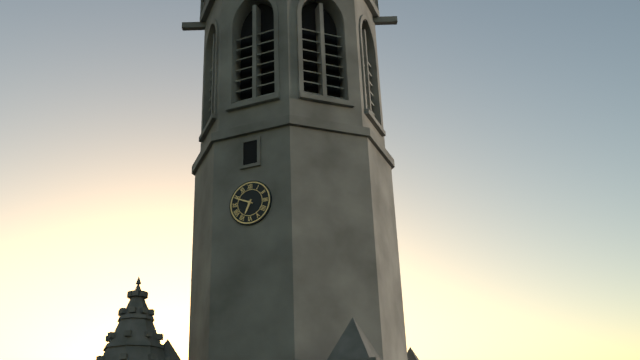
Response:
6.49
